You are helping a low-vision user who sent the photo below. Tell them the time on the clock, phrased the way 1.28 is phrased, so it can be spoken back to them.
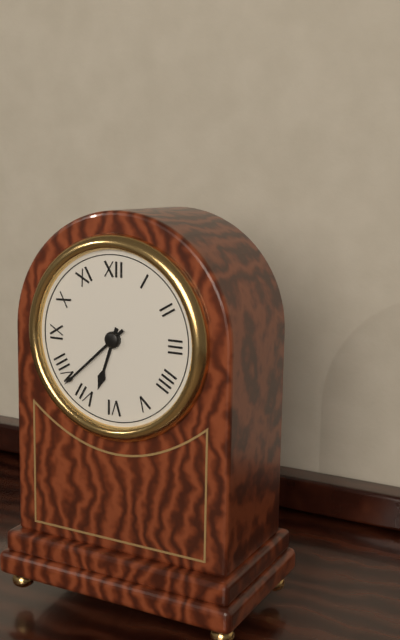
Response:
6.38
